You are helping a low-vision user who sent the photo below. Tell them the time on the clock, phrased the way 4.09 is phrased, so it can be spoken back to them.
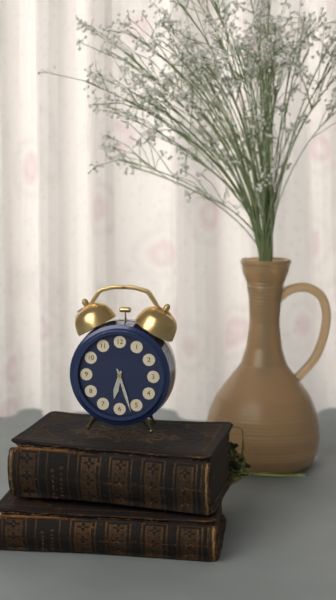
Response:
6.27
